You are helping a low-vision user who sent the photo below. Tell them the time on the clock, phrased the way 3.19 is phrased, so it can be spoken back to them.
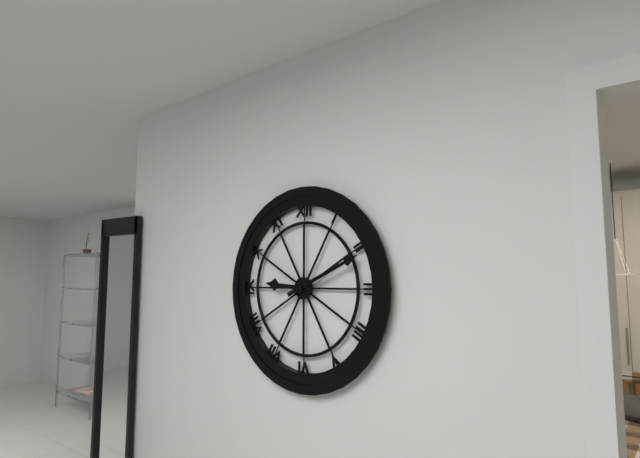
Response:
9.11
